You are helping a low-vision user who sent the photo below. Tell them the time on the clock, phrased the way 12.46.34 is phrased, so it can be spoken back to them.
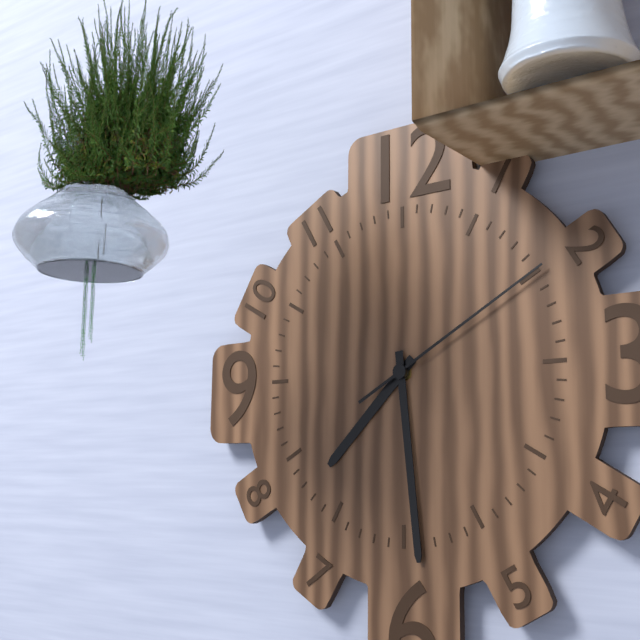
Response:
7.29.10
